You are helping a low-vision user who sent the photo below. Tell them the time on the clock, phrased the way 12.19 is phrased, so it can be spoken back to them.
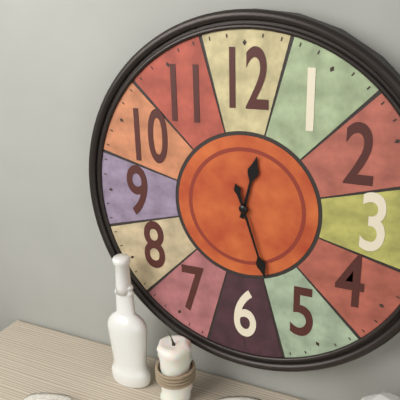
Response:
12.27
